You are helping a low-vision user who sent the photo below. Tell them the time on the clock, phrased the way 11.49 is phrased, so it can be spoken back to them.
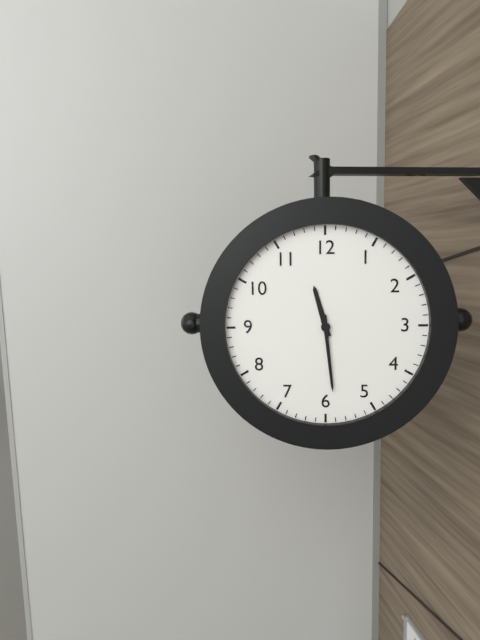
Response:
11.29
